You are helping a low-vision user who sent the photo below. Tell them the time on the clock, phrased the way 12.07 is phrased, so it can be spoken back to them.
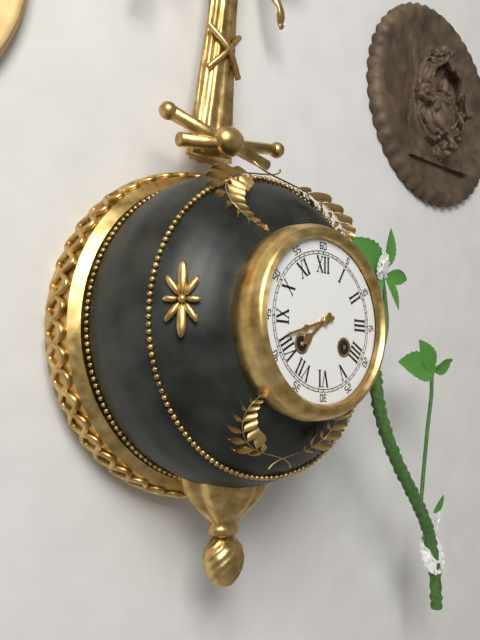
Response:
7.42
